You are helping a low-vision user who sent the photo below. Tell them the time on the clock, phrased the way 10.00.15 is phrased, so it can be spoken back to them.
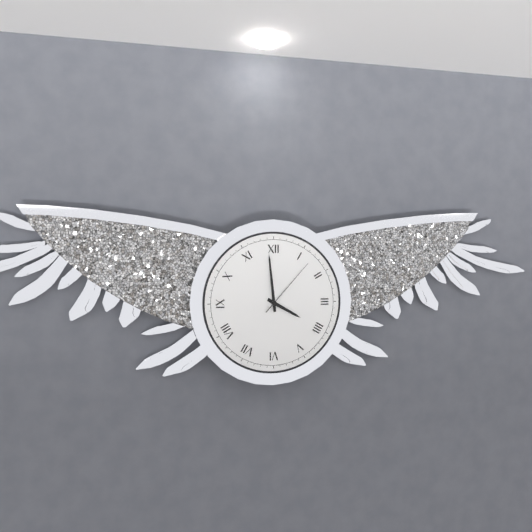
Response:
3.59.07
